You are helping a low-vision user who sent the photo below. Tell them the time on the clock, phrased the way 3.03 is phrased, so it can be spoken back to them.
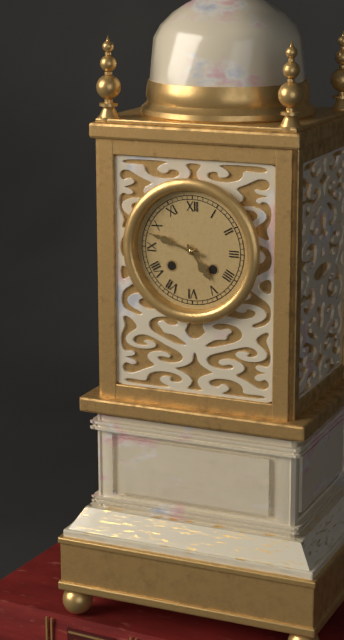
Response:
4.48
